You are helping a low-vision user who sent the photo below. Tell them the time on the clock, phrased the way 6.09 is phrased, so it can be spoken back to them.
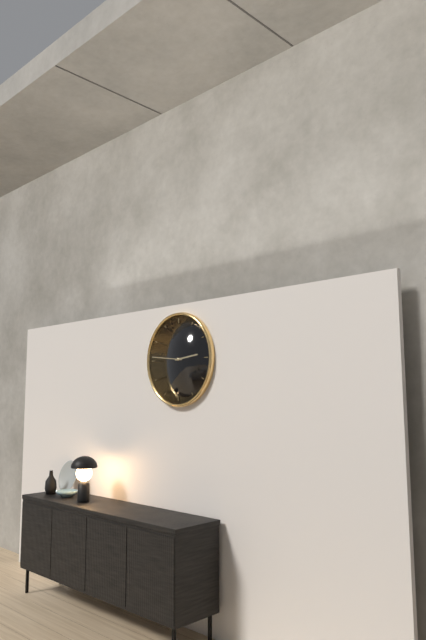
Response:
2.46
